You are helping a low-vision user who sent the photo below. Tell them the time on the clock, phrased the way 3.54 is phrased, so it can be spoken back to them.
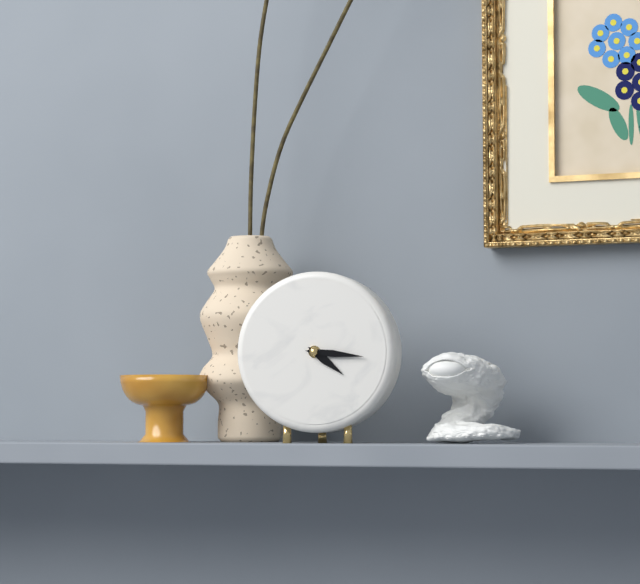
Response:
4.16
